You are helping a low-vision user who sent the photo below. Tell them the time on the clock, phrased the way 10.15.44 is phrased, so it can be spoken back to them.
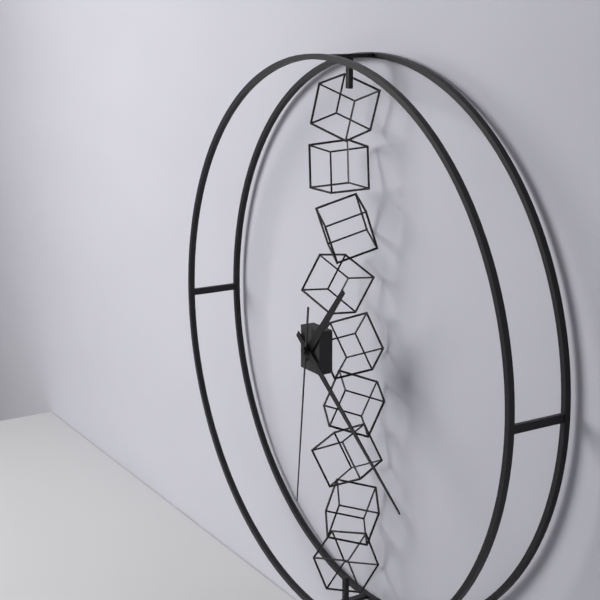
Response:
1.21.31
